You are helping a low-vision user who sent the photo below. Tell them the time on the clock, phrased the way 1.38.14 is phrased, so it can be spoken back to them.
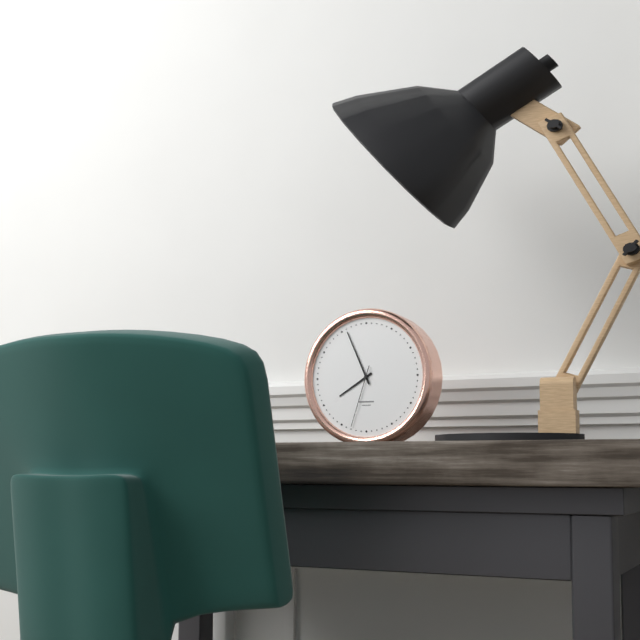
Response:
7.56.33
